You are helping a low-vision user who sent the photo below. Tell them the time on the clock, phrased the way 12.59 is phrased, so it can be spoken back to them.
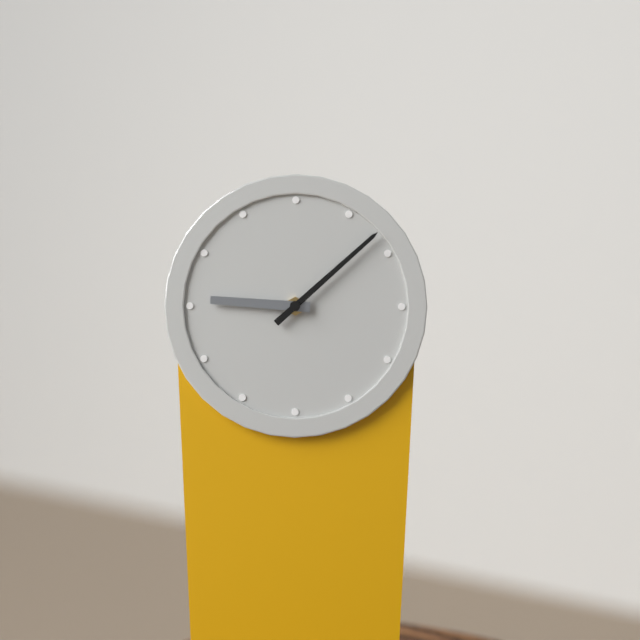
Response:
9.08
